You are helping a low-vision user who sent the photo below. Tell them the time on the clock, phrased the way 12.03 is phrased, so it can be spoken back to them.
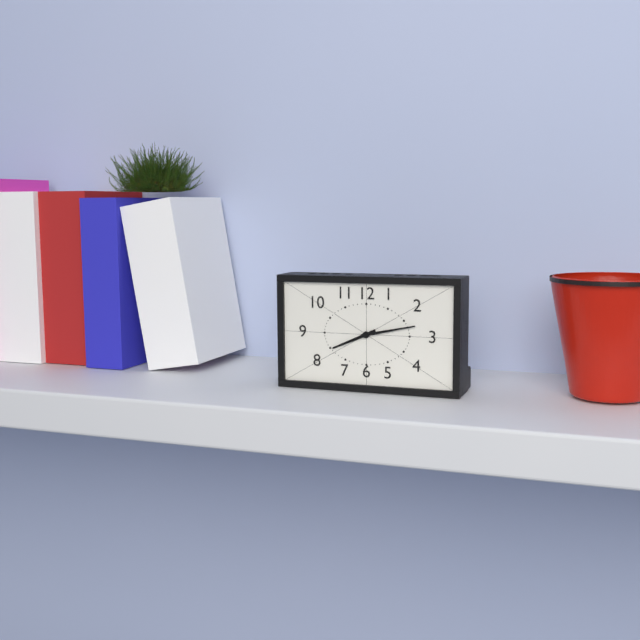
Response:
8.13
